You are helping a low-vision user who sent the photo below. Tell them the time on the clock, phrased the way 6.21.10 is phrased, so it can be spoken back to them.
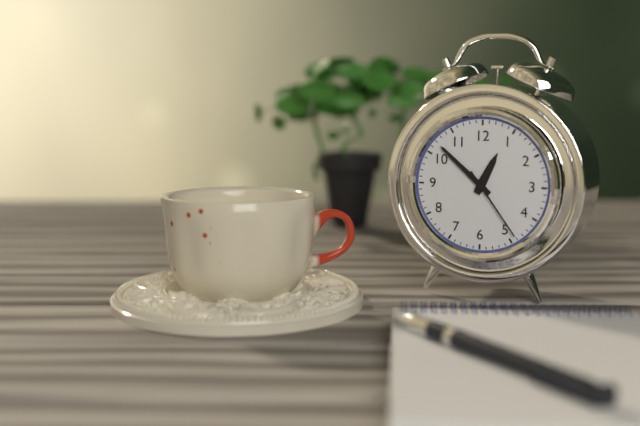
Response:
12.52.24
